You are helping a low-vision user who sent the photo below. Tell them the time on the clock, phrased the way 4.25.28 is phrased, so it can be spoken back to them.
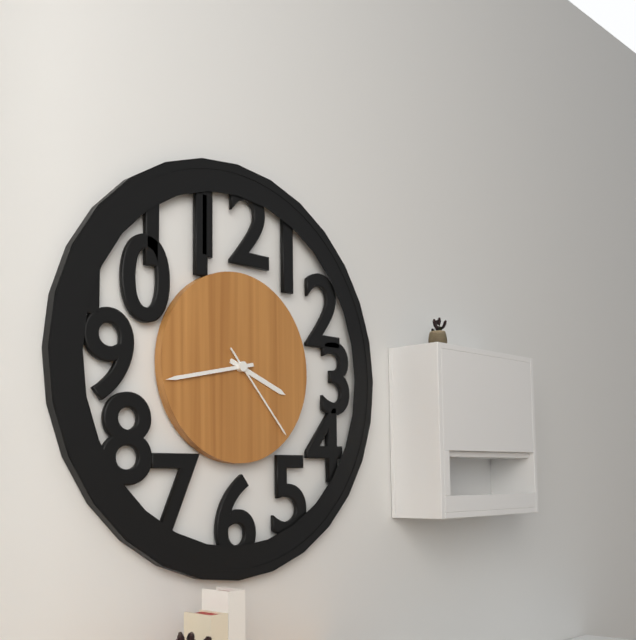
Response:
3.43.23
